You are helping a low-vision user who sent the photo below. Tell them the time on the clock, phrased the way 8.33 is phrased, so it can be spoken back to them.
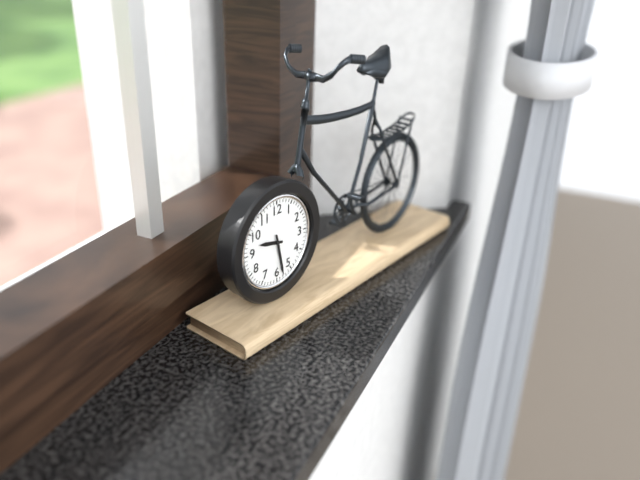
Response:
9.28
